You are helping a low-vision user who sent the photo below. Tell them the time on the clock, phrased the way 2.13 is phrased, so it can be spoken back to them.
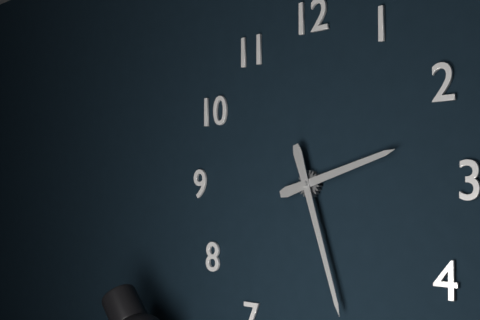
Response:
2.27
